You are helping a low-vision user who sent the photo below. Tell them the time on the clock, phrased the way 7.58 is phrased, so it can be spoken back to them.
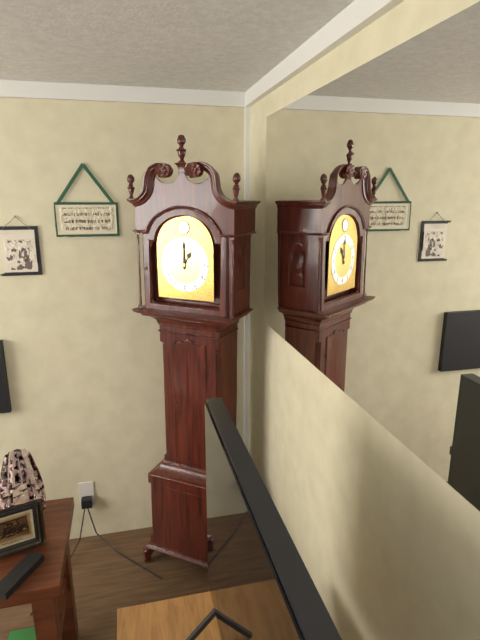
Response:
1.00
